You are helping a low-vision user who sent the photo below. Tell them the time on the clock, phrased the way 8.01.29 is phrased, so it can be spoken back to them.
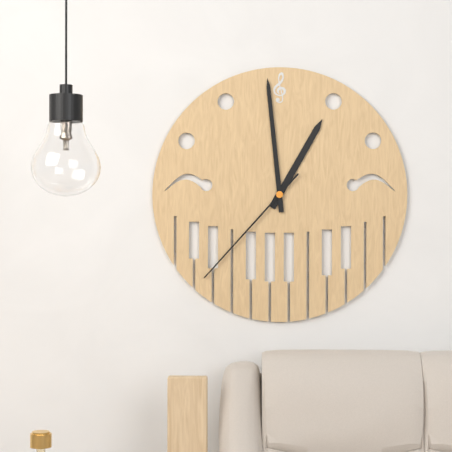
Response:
12.59.37
